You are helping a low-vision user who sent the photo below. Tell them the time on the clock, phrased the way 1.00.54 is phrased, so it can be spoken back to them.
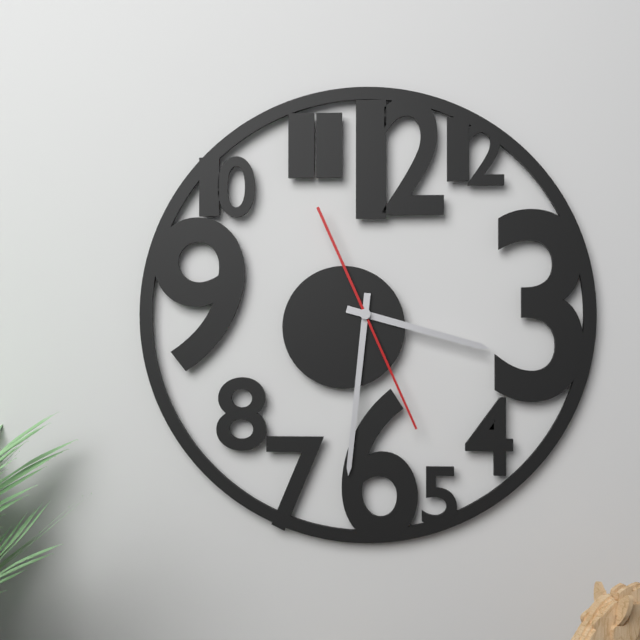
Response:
3.31.26
